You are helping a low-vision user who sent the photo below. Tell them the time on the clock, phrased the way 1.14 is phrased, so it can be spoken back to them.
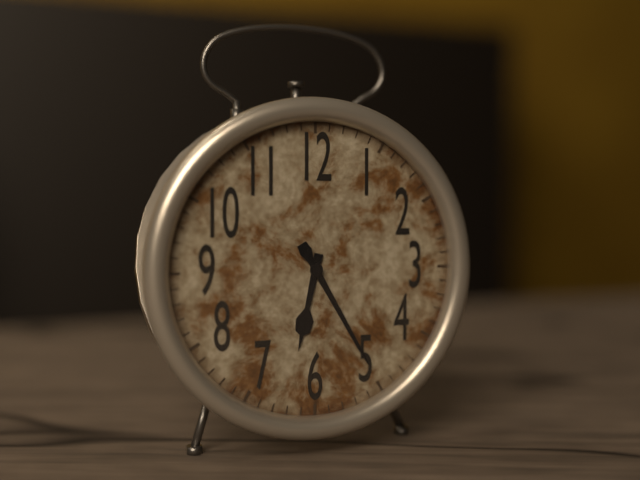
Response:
6.25
